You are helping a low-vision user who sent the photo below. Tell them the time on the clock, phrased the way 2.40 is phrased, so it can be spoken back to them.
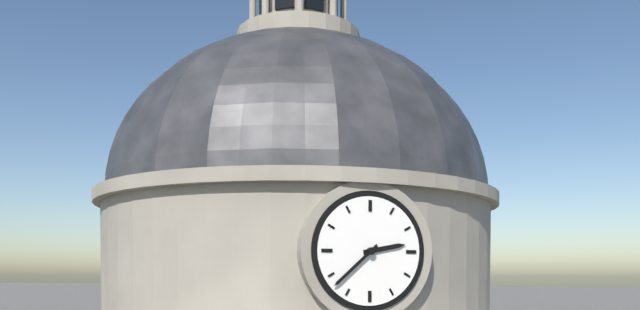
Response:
2.38
